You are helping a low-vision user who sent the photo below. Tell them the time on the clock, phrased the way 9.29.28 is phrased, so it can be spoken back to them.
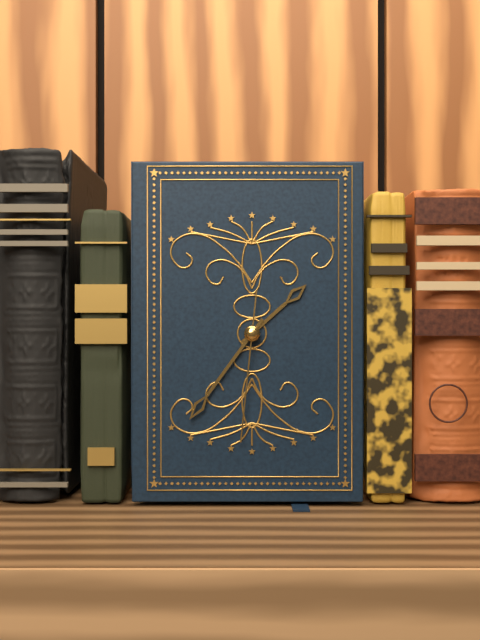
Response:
1.36.31
